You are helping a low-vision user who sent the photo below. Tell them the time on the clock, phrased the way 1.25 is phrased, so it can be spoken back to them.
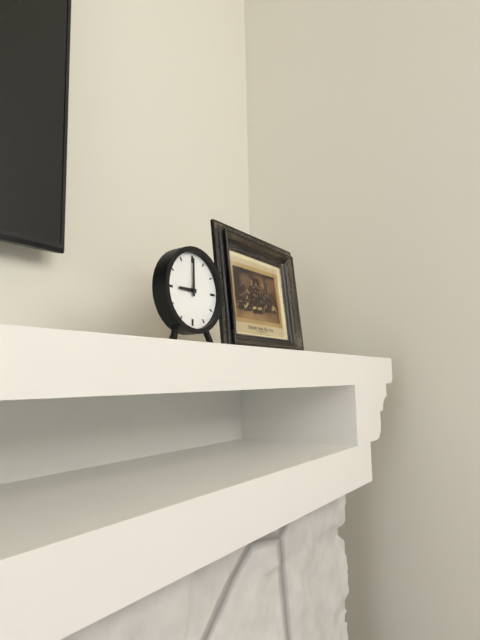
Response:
9.00
